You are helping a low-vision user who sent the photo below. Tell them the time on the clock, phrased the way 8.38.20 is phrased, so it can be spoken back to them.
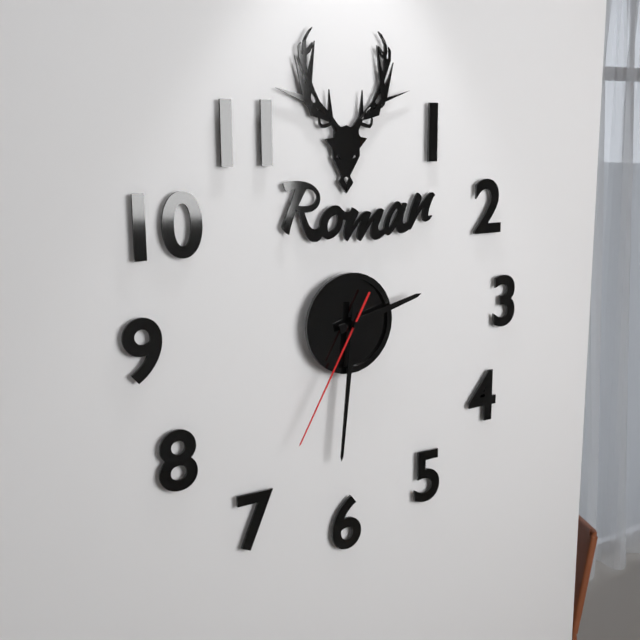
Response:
2.31.35
